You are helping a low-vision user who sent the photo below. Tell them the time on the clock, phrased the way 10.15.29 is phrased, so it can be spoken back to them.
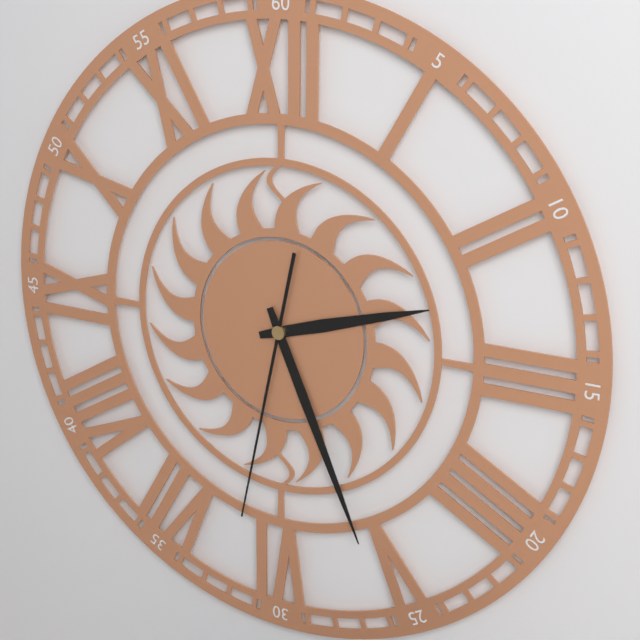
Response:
2.26.32
